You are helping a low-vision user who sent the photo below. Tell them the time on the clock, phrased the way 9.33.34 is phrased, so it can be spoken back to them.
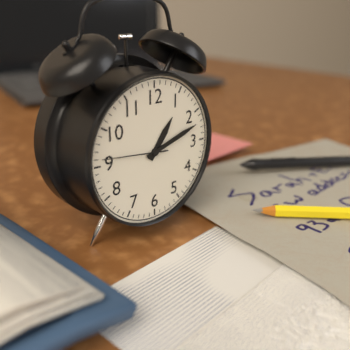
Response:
1.12.46
